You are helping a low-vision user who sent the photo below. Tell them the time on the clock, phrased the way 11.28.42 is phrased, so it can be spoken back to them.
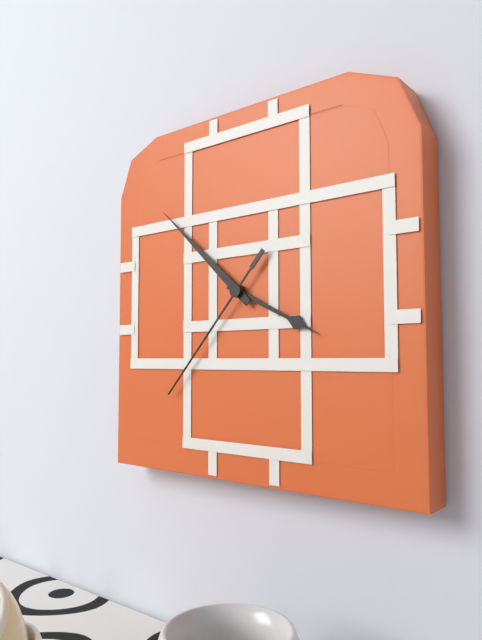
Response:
3.52.37
